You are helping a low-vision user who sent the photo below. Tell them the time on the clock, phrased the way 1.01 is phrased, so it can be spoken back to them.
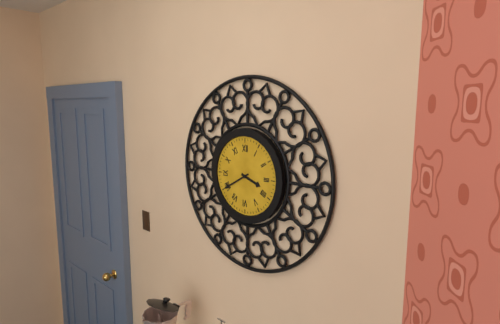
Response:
3.40
